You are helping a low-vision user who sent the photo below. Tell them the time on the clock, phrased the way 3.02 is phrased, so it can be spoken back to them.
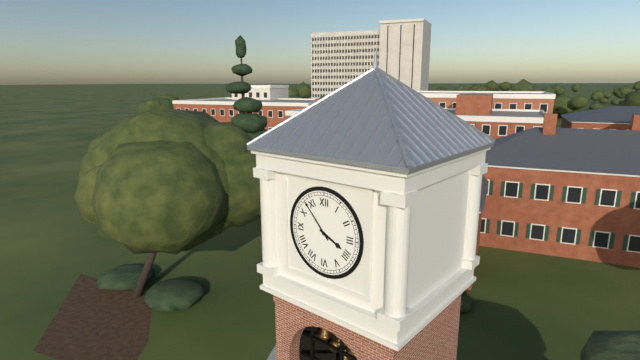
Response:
3.53
